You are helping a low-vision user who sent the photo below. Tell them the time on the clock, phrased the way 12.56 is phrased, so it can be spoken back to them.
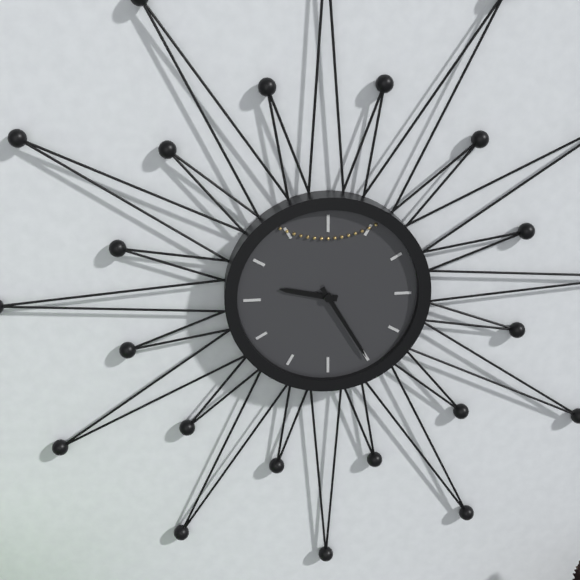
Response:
9.25
